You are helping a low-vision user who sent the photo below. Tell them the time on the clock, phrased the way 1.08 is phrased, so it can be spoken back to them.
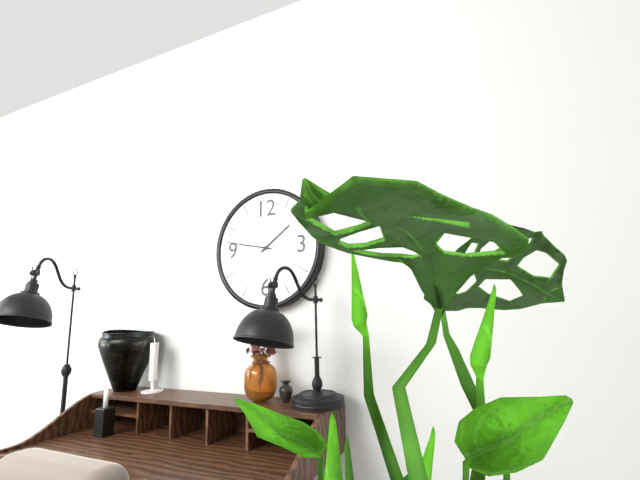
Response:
1.47
